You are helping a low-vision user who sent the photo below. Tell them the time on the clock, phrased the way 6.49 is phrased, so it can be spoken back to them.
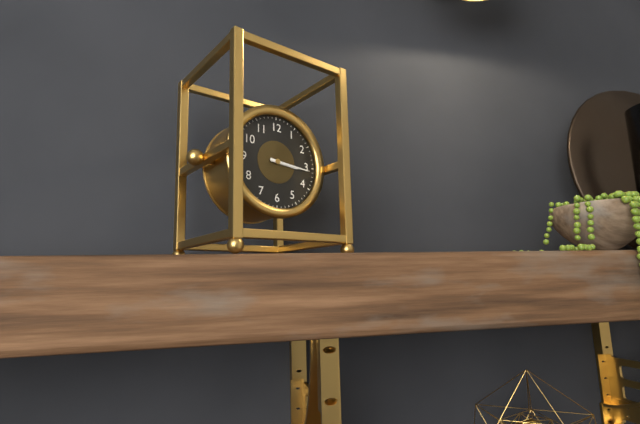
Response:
3.16
